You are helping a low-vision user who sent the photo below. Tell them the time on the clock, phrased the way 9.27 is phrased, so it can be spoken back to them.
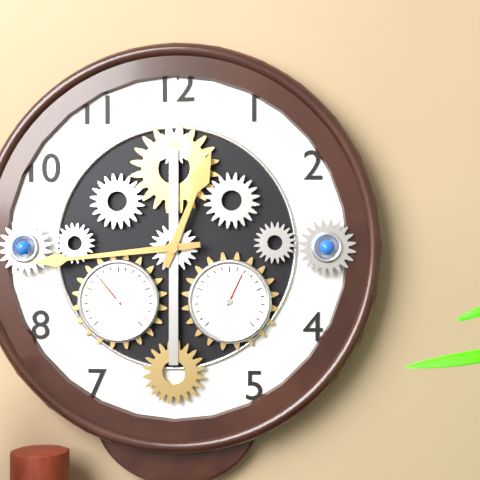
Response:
12.44
